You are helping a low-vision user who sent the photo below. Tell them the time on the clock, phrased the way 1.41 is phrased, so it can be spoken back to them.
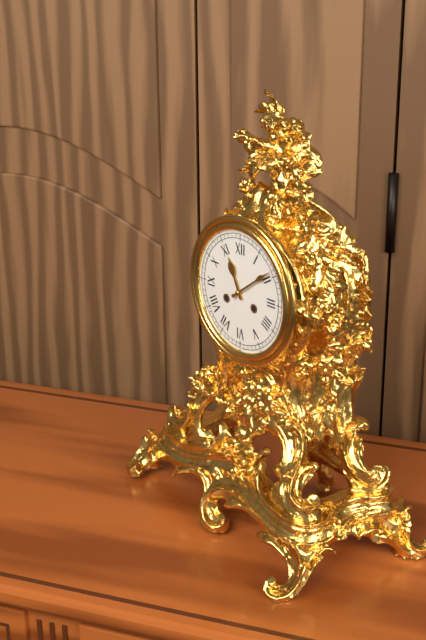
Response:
11.09
